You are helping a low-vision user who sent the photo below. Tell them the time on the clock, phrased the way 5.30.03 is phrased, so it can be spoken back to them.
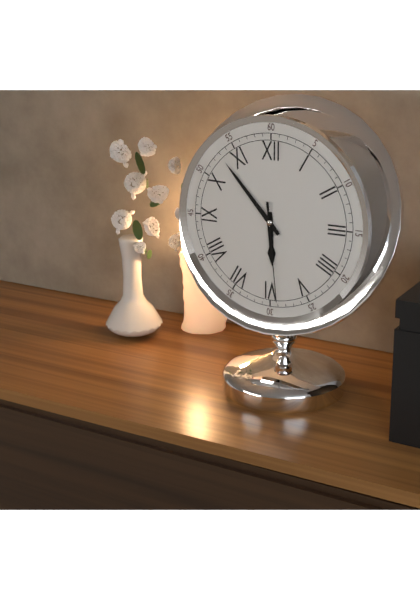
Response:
5.53.29
